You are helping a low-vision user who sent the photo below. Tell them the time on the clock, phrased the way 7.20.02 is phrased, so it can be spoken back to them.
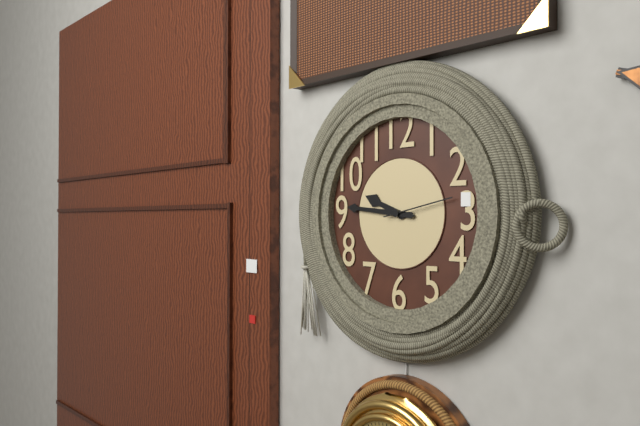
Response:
9.46.13
